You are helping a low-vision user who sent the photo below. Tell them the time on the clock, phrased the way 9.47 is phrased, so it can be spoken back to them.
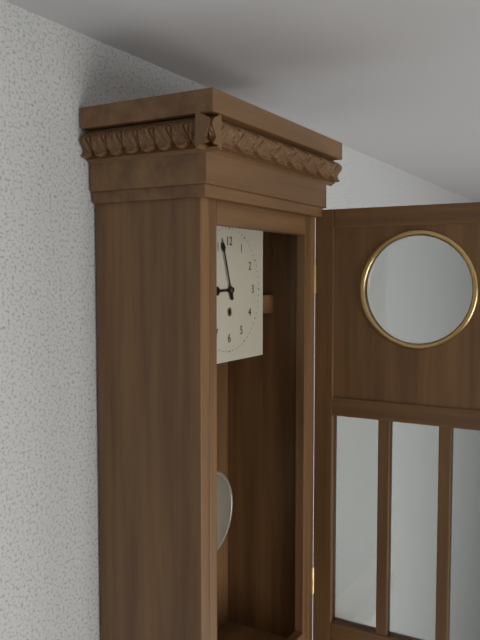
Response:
8.57
